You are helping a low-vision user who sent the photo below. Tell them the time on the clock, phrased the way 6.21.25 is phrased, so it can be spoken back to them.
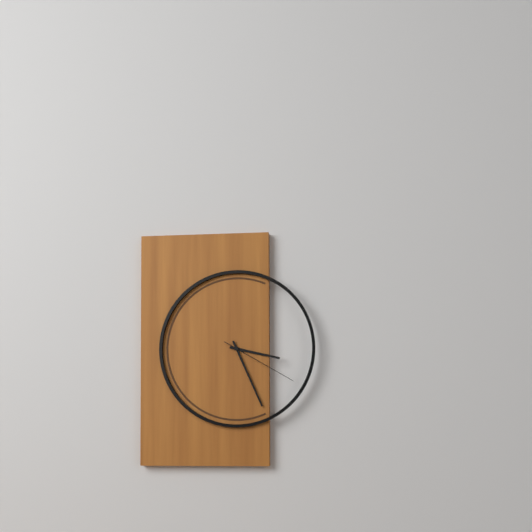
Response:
3.26.20
